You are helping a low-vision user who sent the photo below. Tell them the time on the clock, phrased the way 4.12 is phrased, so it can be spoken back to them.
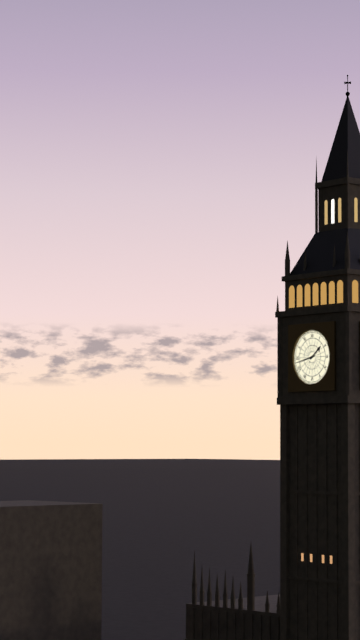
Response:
1.43
